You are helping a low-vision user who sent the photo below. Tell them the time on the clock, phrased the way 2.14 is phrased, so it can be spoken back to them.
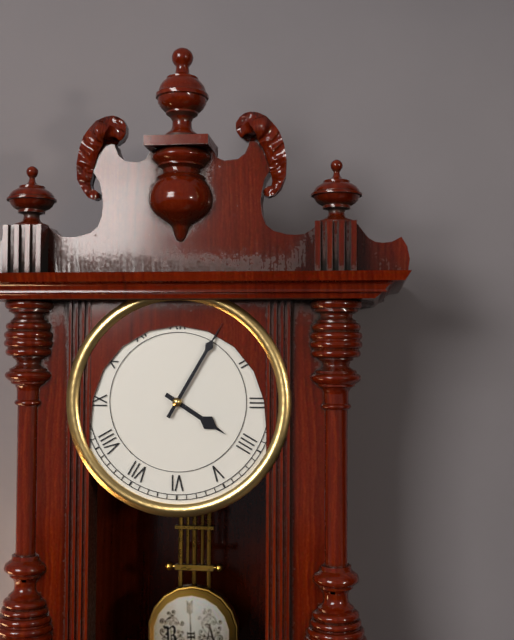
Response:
4.05
